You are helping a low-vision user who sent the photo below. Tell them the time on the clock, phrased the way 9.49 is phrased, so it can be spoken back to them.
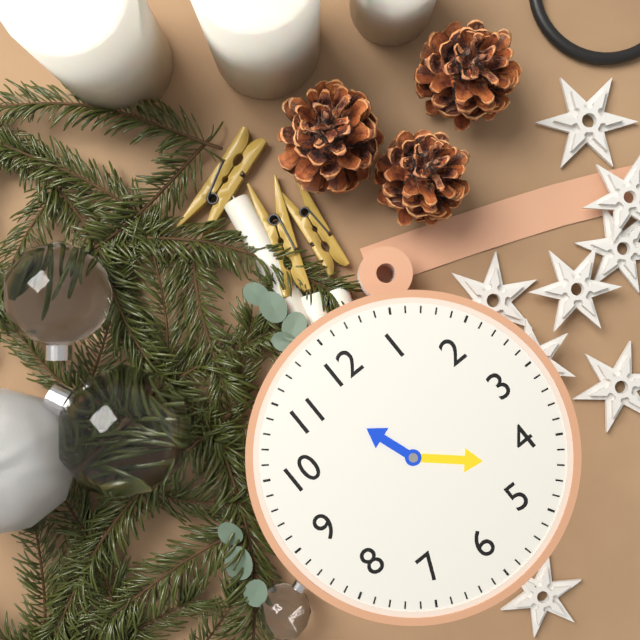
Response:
11.22
